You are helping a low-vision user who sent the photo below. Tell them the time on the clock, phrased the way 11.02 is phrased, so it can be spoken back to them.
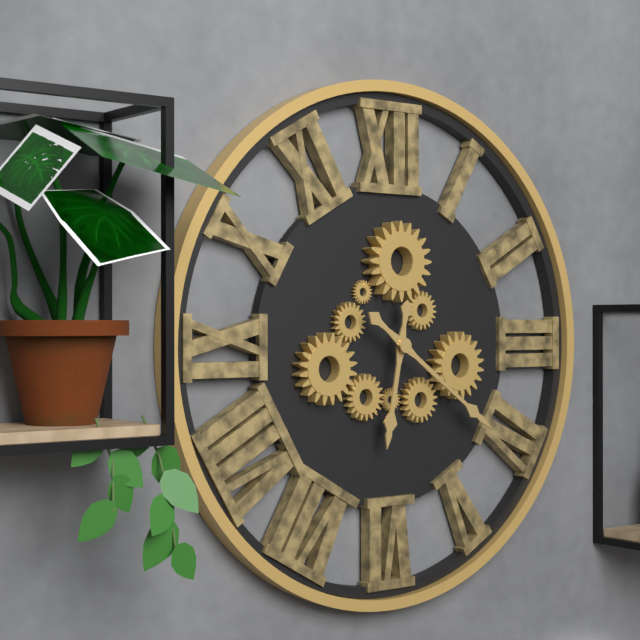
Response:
6.21
